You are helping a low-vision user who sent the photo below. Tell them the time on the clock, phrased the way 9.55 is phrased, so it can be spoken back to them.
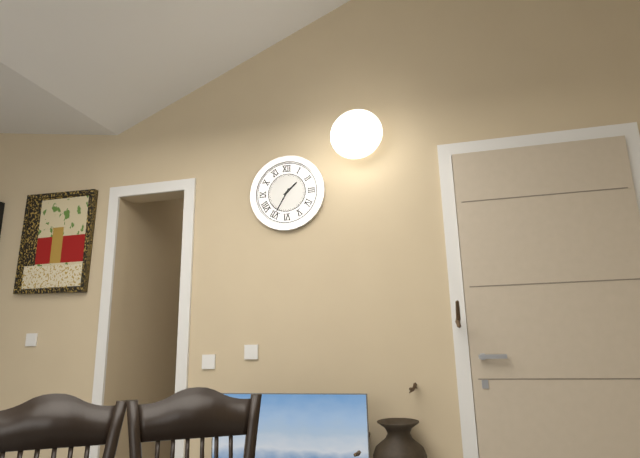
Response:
1.35
